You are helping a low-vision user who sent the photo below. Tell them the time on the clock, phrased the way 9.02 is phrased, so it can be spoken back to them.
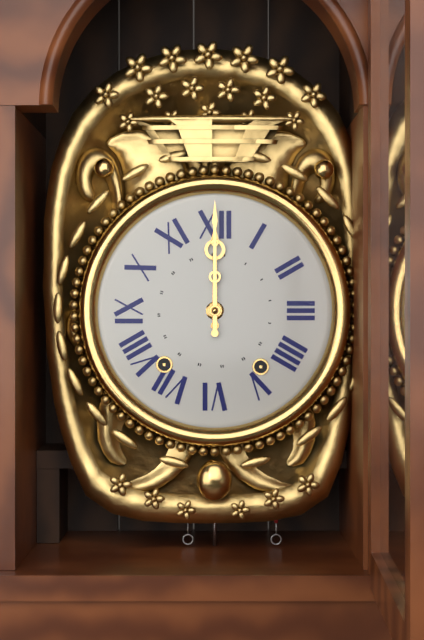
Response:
12.00
